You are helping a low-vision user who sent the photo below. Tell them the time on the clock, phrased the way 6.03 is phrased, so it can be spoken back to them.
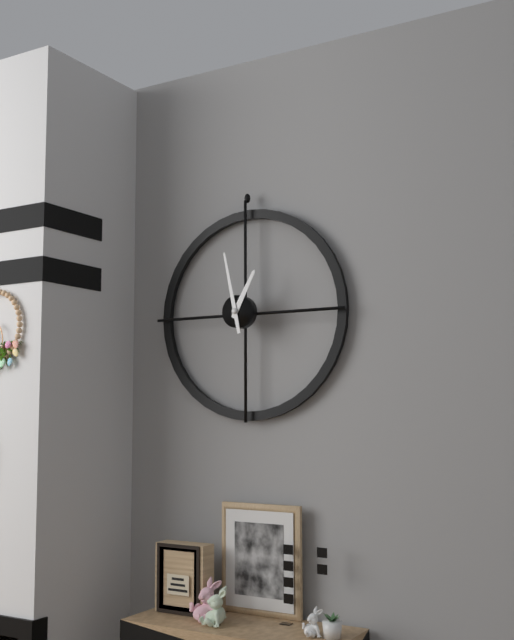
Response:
12.58
